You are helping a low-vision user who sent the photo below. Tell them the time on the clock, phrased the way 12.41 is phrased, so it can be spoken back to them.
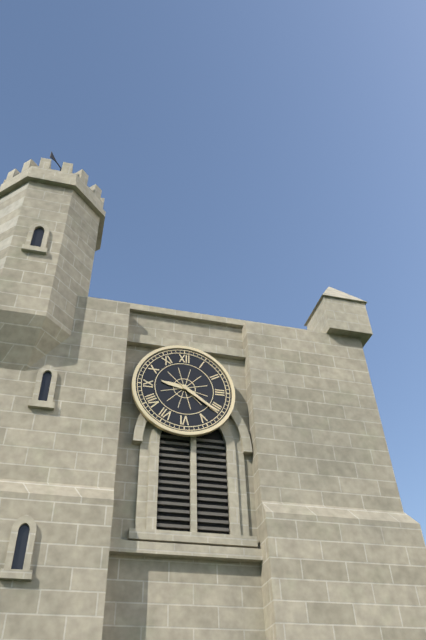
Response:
9.21
